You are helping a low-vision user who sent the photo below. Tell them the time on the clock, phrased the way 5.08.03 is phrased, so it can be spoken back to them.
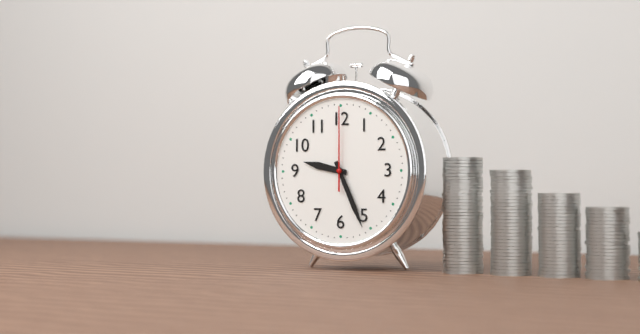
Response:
9.26.00
